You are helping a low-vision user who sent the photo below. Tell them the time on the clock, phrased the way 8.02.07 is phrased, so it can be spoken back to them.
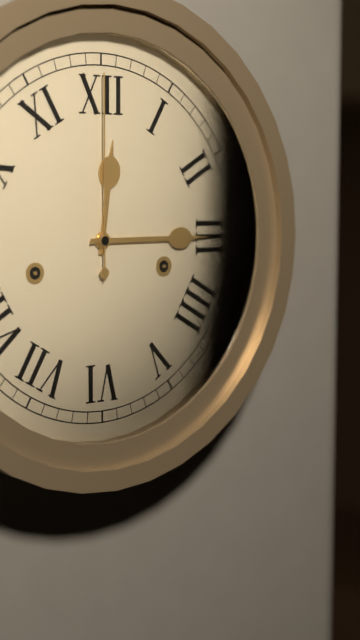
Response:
12.15.00
